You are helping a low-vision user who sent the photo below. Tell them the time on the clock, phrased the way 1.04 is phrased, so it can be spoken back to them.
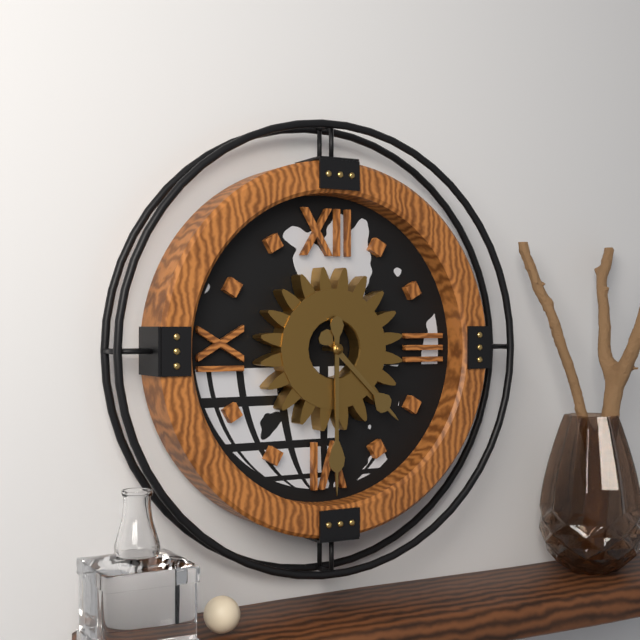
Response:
4.30
